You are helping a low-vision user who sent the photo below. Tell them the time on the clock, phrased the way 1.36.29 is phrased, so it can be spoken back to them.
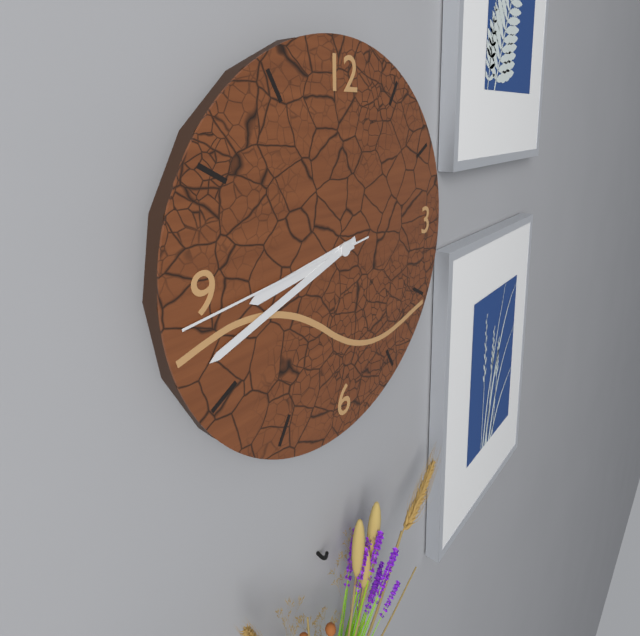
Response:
8.42.44
